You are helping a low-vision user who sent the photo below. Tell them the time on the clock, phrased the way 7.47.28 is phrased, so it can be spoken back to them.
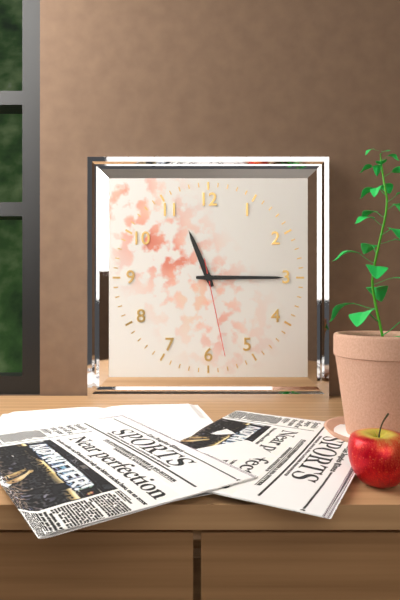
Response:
11.15.28
